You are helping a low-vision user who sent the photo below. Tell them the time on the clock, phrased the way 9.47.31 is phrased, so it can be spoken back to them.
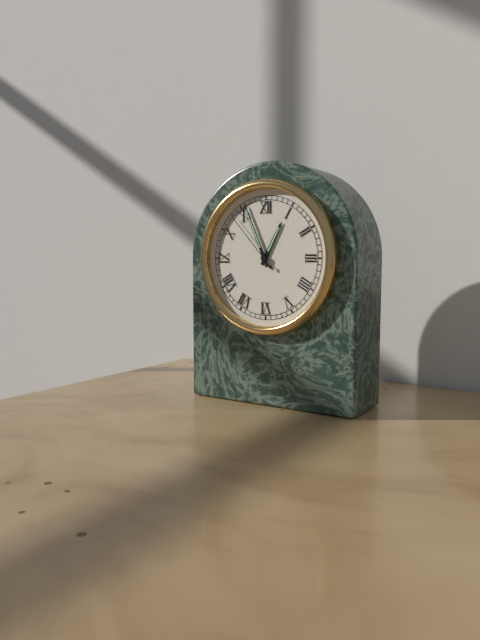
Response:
12.56.53
